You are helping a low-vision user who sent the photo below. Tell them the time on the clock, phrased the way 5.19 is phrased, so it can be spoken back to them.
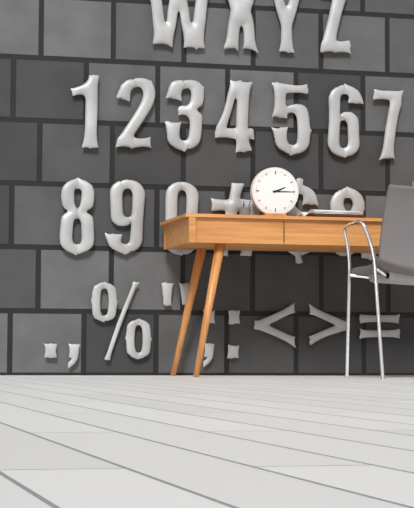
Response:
2.15
